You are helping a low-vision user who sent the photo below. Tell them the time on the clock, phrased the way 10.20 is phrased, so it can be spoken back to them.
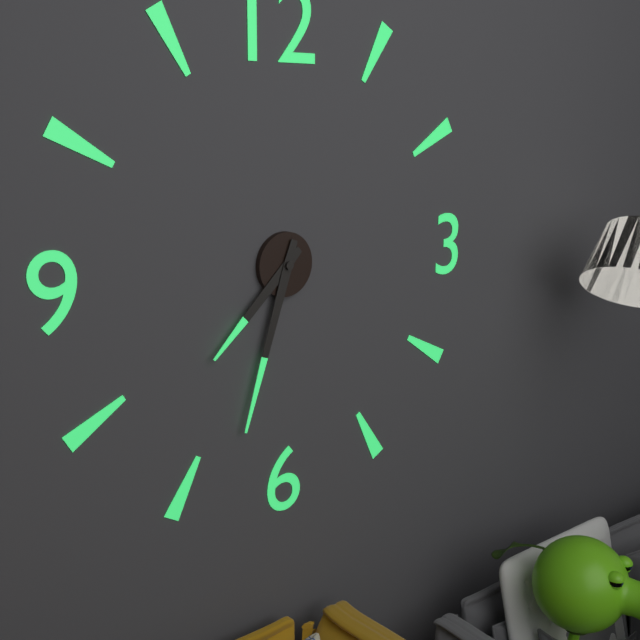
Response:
7.33
